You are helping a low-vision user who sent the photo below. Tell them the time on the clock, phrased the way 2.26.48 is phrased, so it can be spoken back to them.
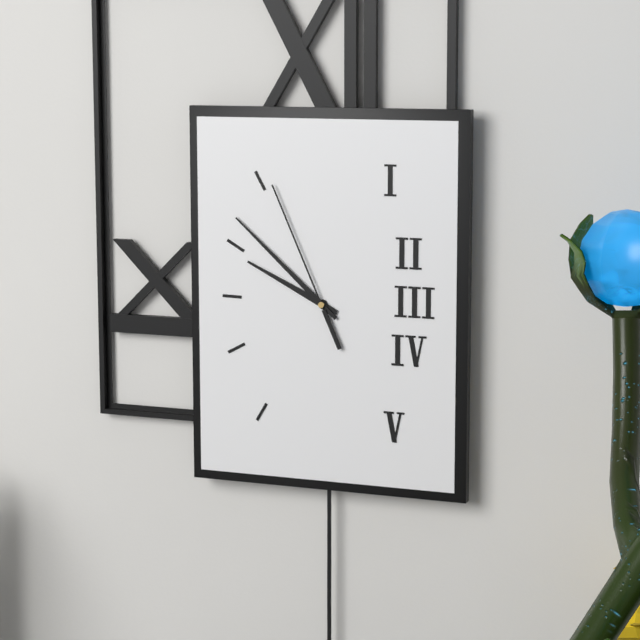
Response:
9.52.56
